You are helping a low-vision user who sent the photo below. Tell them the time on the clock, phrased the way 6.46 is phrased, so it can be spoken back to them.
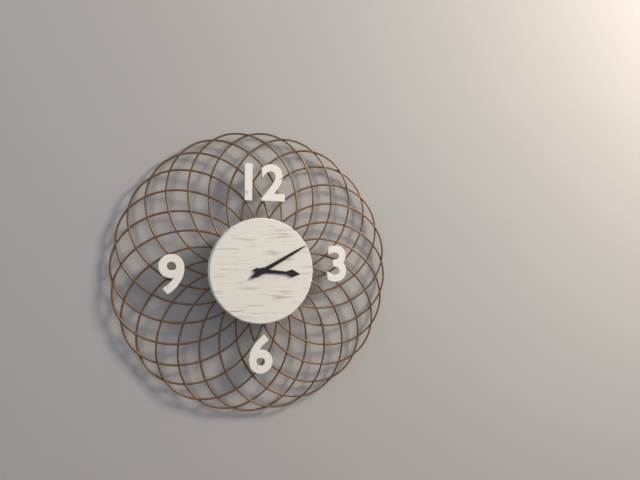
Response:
3.10
